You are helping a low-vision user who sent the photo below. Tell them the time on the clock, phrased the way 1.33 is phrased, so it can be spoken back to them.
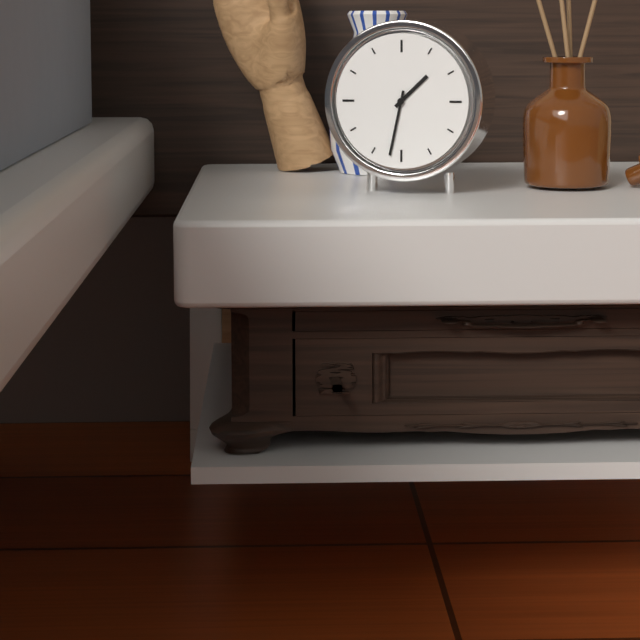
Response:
1.32
